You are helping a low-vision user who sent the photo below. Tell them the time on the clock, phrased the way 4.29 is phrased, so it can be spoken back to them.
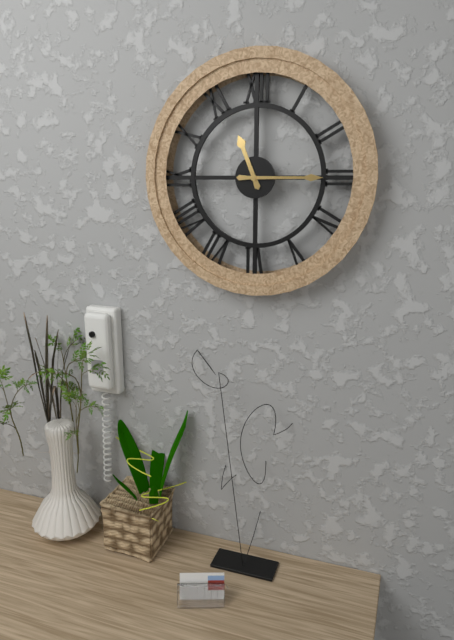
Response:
11.15
